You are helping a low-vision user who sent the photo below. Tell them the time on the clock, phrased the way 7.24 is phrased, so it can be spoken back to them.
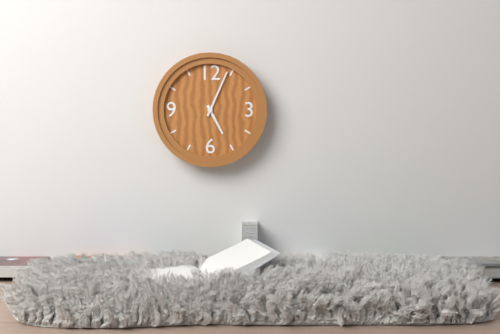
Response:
5.04
